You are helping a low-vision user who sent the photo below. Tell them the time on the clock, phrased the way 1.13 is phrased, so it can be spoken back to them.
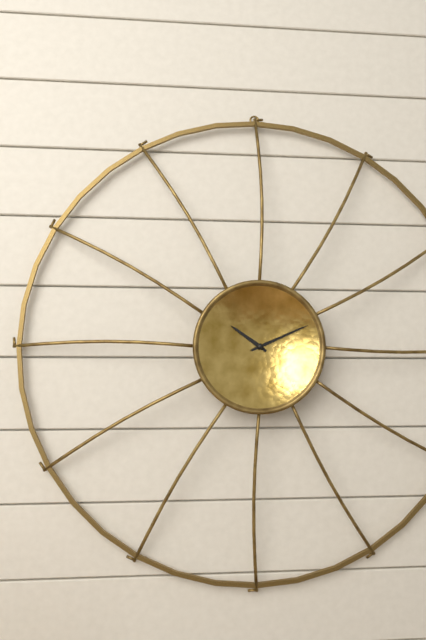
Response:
10.11
